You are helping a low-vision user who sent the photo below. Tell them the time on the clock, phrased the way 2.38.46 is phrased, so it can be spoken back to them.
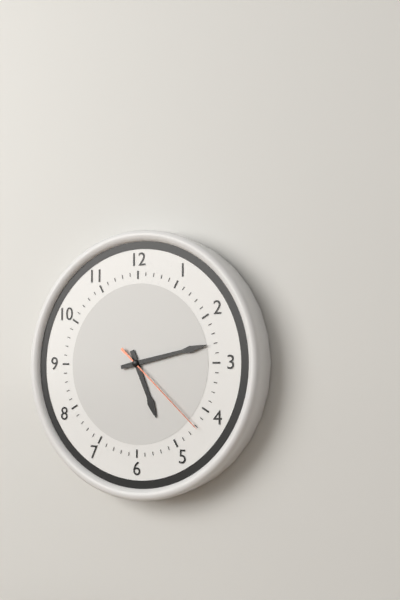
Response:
5.13.22
